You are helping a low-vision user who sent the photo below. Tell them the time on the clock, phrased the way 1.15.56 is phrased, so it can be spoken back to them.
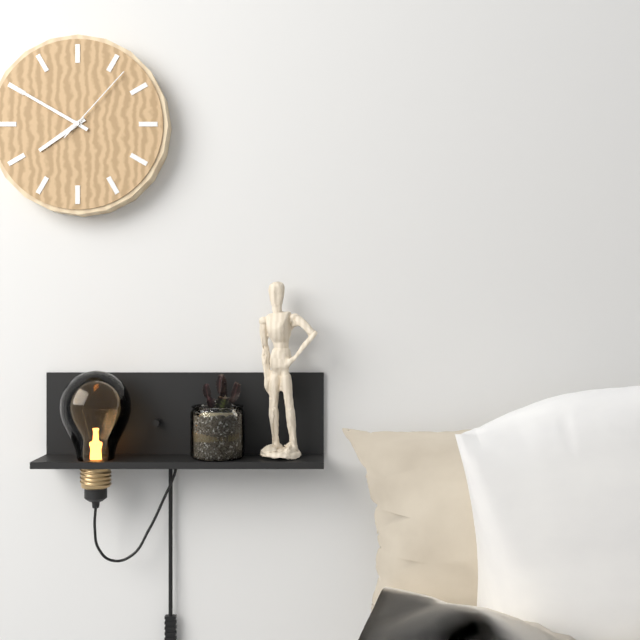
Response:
7.50.07
